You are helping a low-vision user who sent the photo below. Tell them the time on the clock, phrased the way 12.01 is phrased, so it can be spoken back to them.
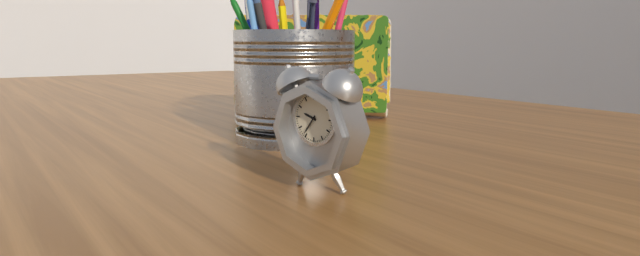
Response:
9.36
